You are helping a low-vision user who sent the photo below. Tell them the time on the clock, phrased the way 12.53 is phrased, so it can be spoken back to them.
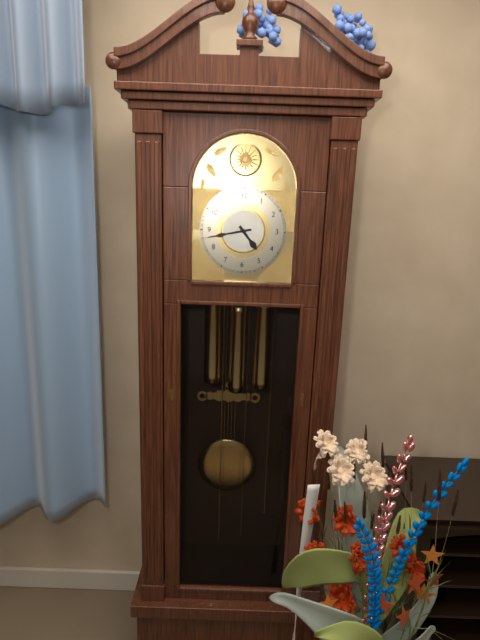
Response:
4.43
